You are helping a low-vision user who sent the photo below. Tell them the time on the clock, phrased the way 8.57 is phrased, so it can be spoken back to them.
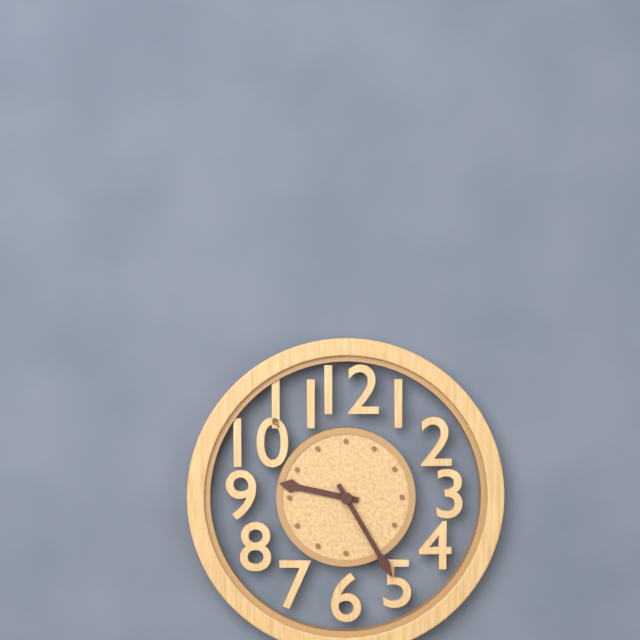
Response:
9.25
